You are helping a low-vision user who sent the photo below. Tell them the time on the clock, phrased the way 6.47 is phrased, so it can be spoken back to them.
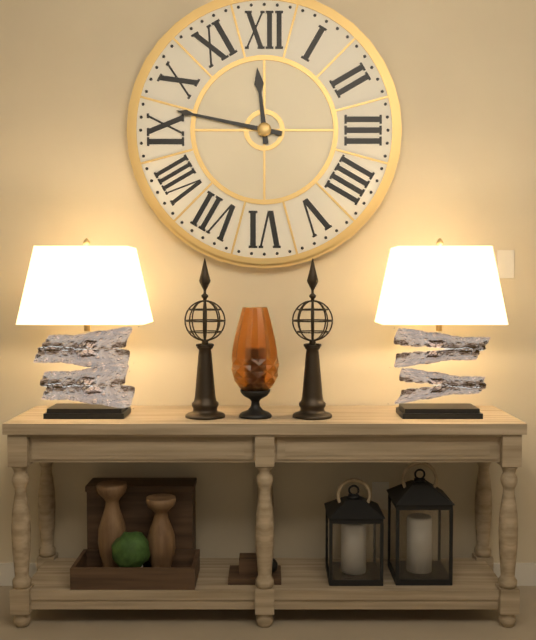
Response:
11.47
